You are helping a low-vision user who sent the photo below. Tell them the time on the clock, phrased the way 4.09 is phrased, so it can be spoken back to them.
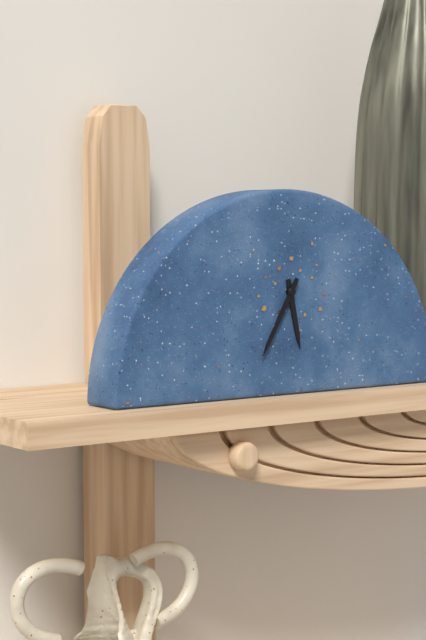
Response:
5.35
